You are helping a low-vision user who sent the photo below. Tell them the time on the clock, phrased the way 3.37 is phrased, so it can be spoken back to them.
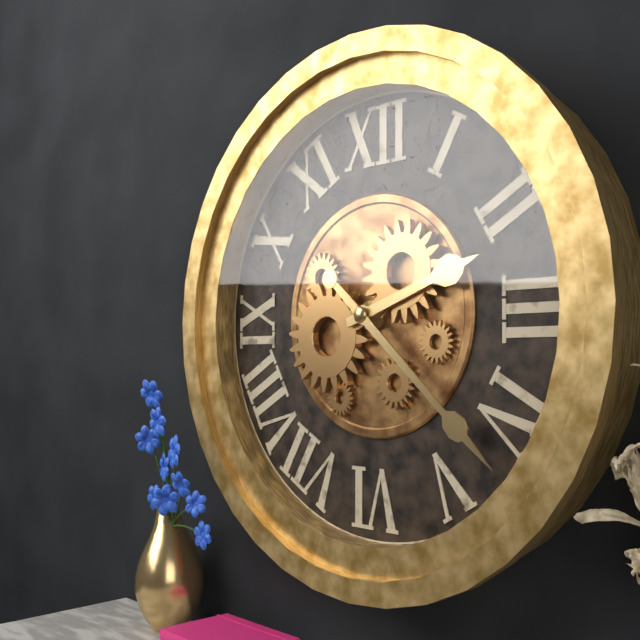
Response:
2.22
